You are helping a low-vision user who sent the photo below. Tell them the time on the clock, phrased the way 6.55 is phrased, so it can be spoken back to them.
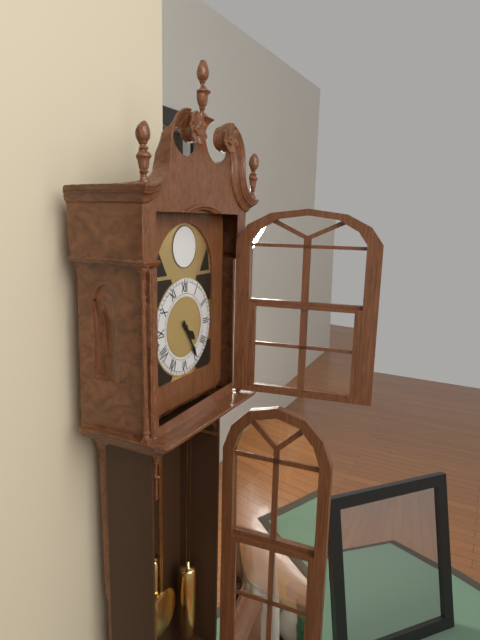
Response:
4.25
